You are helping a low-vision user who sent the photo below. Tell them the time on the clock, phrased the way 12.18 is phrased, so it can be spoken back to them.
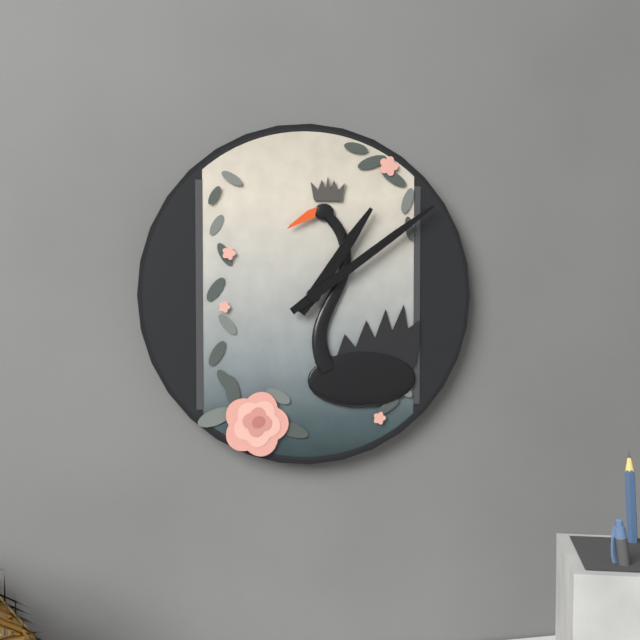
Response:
1.09
